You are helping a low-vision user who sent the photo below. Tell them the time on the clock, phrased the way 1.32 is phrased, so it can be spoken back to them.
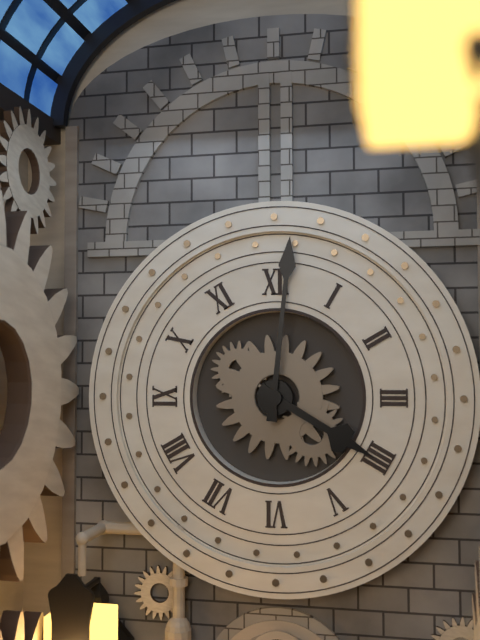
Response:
4.01
